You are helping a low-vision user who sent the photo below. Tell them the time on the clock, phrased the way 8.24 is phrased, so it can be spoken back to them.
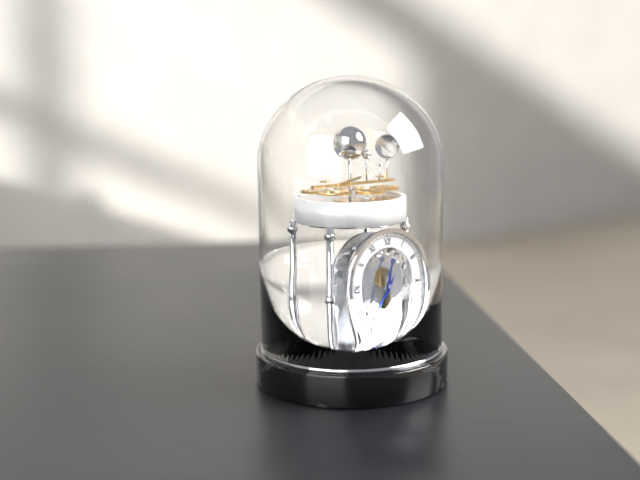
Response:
12.38
